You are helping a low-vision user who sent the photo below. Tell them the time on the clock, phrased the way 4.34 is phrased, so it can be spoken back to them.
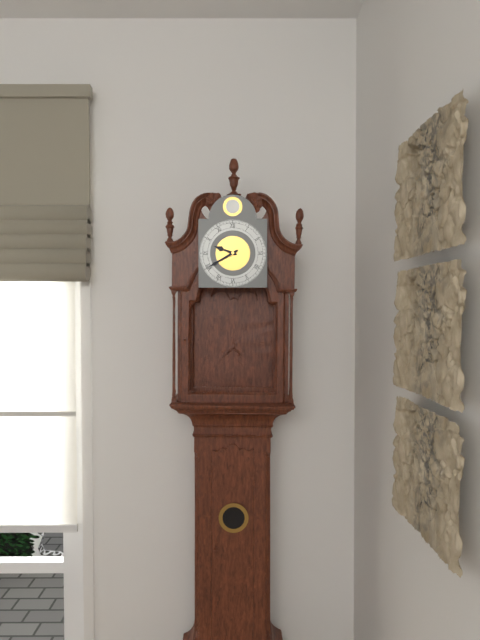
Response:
9.40
